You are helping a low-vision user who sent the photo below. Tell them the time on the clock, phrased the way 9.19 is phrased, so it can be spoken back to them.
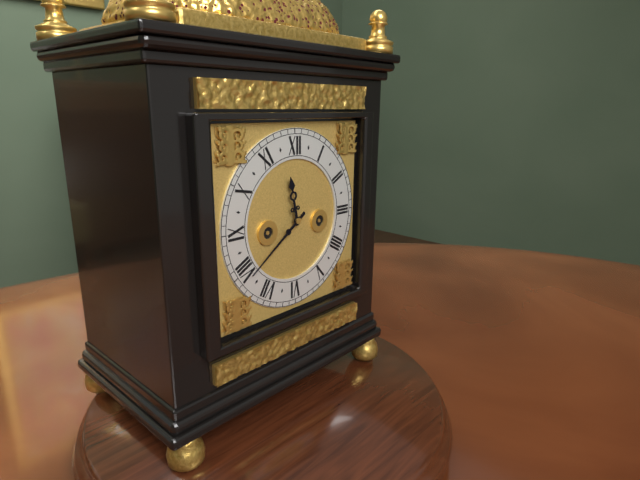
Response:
11.39
